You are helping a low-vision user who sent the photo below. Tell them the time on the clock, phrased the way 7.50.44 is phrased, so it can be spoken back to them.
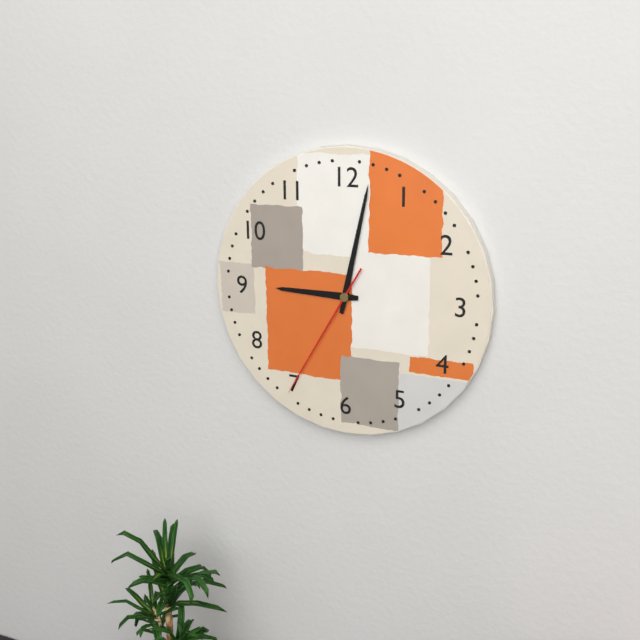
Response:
9.02.35
